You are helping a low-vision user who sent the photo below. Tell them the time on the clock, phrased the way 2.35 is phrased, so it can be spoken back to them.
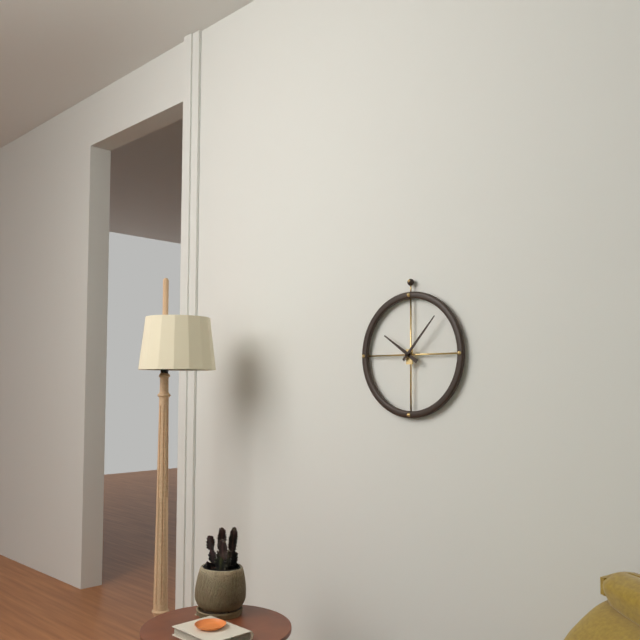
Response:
10.07
